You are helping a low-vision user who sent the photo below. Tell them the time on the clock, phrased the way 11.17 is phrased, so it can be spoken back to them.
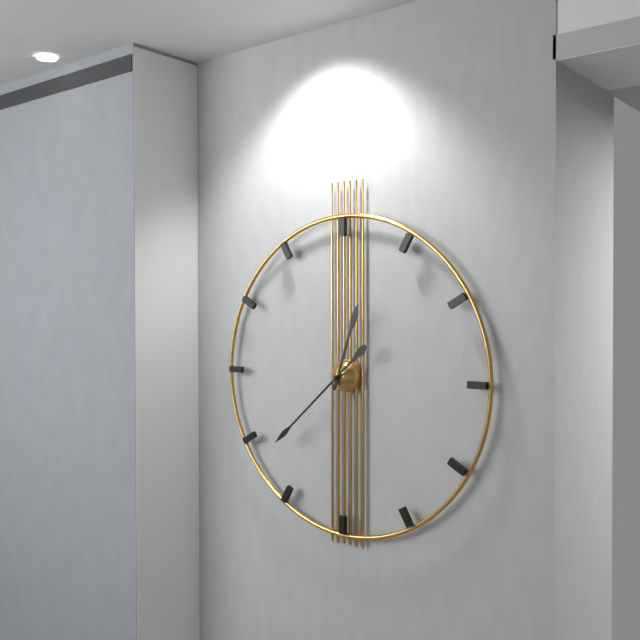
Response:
12.38
